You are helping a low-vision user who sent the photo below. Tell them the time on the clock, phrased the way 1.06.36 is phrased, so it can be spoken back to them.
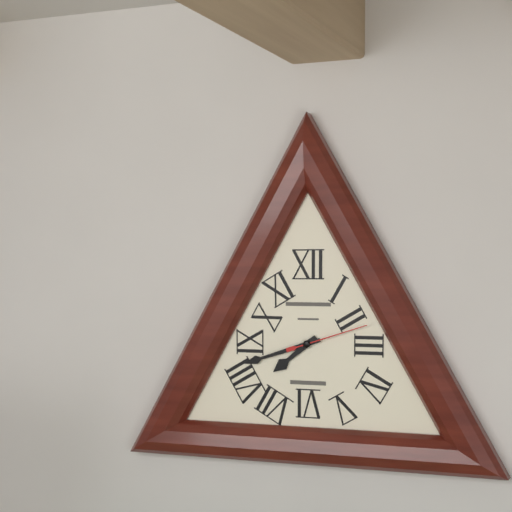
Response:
7.42.12
